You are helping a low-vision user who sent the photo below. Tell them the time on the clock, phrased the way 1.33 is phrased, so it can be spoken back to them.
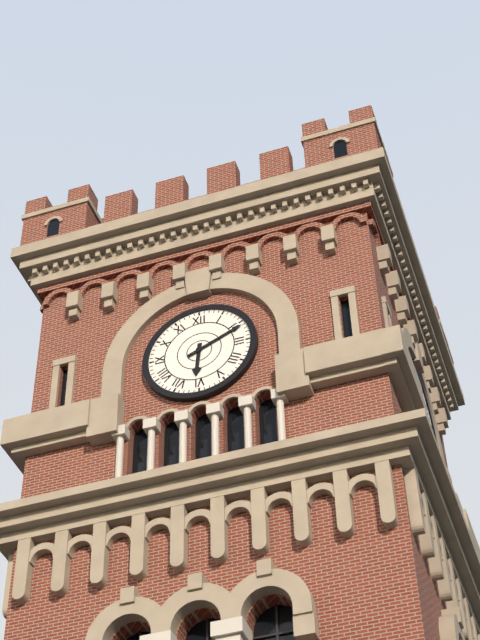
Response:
6.11
